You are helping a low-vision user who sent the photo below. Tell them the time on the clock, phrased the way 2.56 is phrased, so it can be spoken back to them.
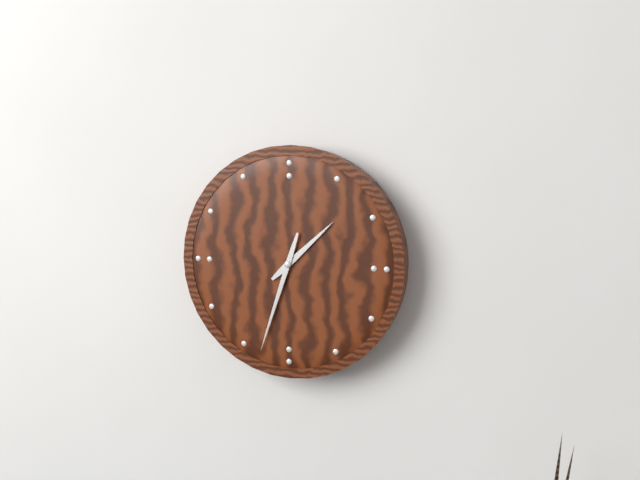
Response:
1.33
